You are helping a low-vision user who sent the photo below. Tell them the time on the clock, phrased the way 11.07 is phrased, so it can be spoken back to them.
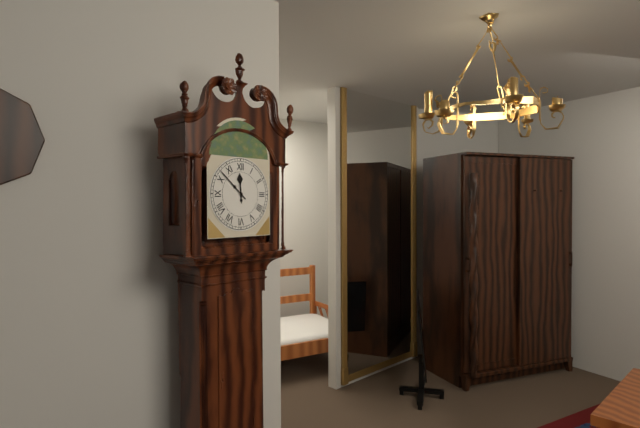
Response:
11.52
